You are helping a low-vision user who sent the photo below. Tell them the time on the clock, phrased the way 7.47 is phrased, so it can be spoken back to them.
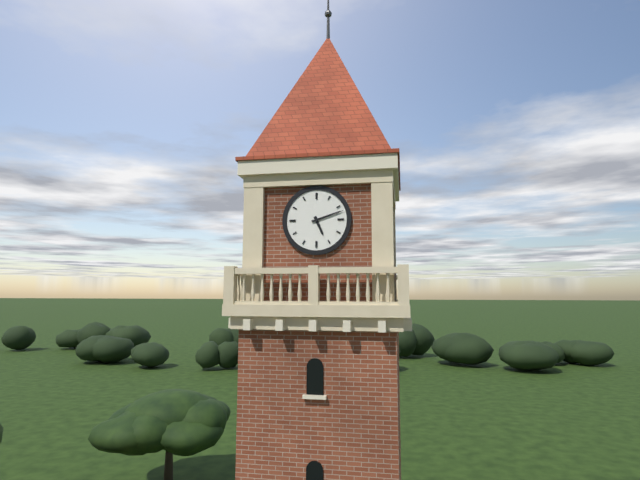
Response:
5.12
